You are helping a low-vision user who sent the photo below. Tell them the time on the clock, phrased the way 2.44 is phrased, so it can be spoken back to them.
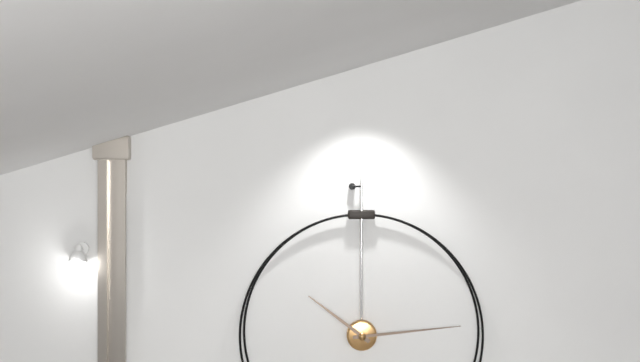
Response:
10.14
